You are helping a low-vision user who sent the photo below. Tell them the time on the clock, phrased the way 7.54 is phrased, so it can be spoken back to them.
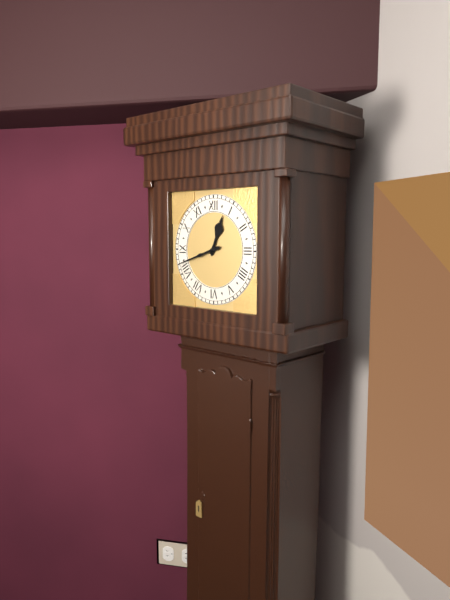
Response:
12.42
